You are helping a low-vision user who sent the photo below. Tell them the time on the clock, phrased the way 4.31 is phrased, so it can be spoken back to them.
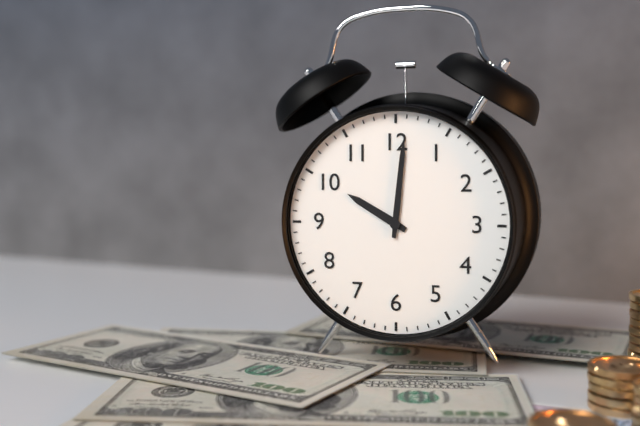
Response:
10.01
